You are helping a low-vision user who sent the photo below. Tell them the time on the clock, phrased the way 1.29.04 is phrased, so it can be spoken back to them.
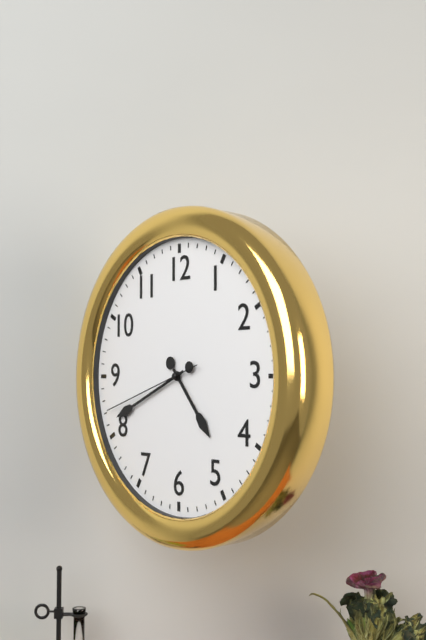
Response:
4.41.42
